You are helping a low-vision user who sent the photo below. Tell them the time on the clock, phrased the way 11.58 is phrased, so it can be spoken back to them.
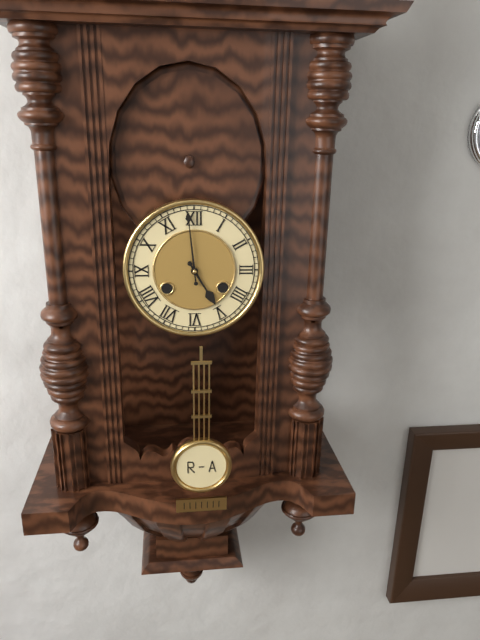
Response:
4.59
